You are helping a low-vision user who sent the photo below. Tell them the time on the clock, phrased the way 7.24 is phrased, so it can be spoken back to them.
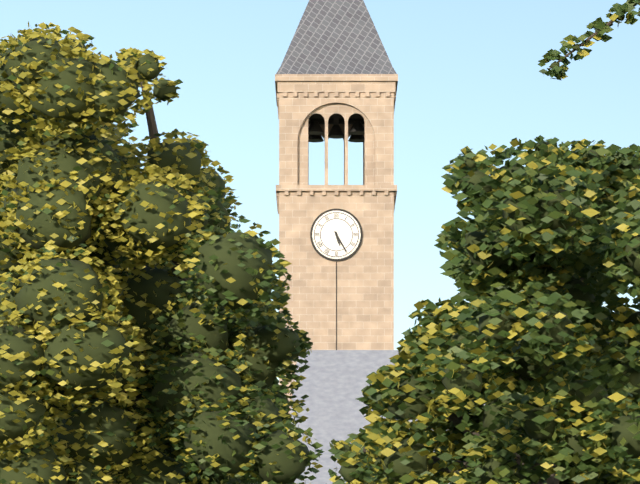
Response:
5.25
